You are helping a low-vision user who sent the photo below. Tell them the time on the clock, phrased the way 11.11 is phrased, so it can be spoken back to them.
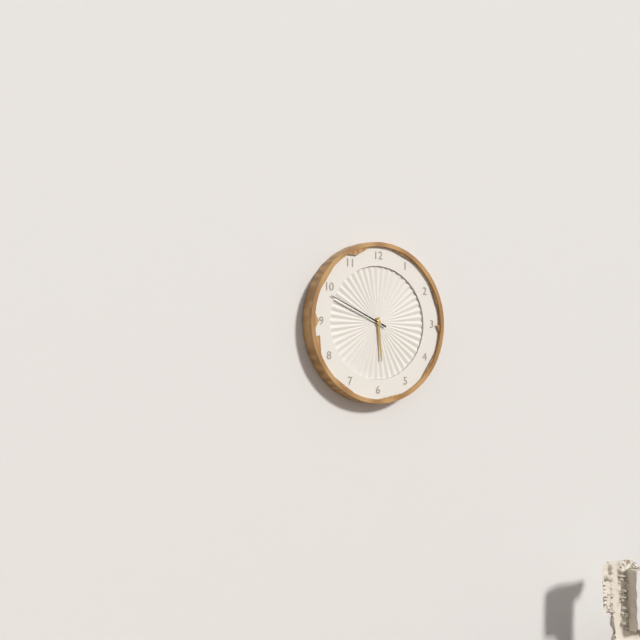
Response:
5.49
